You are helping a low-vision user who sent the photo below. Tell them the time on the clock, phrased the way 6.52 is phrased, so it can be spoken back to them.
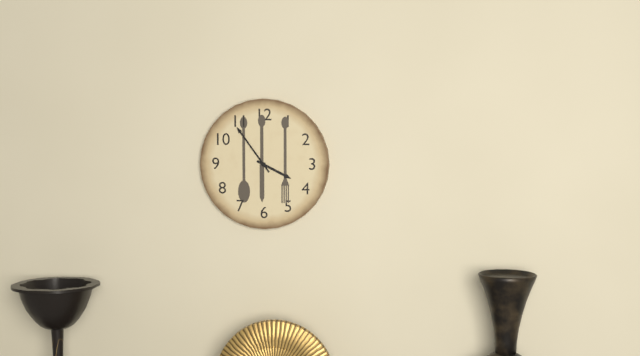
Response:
3.54
